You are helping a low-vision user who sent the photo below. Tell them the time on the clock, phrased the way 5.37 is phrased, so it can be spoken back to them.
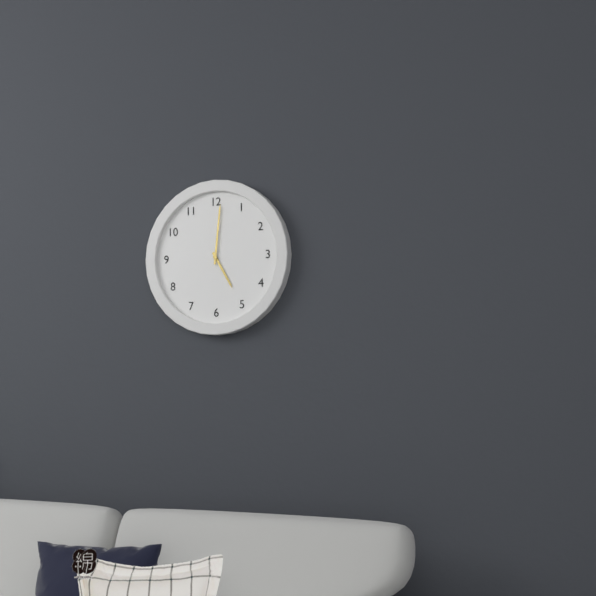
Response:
5.01
